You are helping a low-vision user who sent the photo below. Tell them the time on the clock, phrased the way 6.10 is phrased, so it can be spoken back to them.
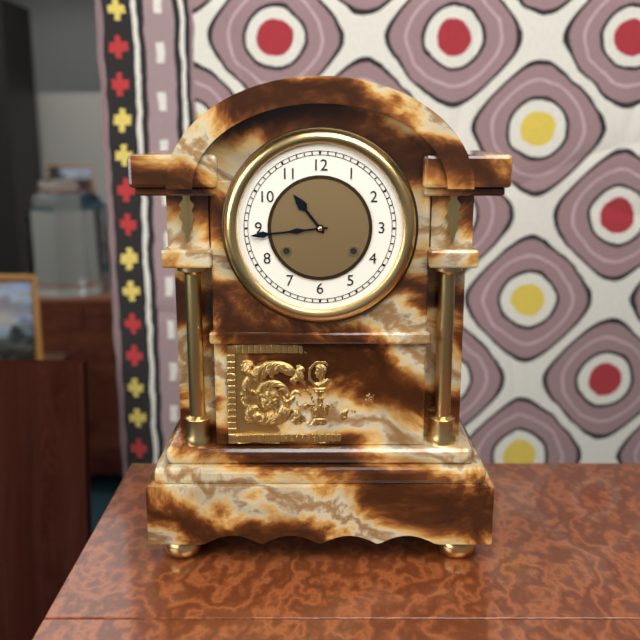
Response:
10.44
